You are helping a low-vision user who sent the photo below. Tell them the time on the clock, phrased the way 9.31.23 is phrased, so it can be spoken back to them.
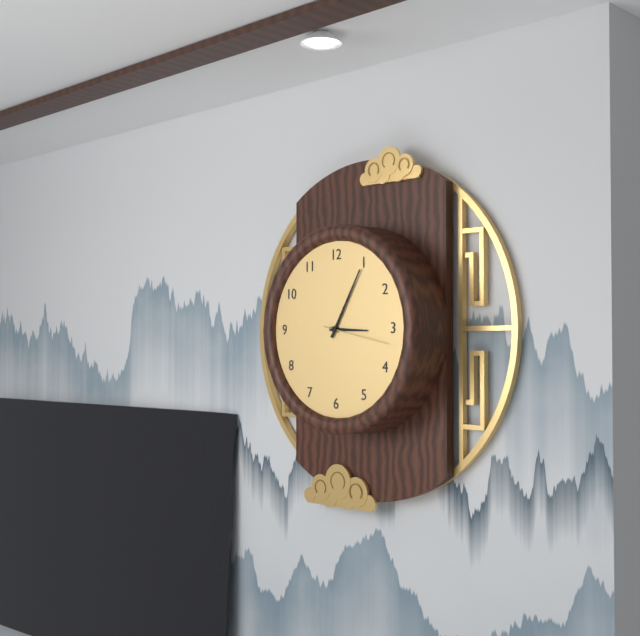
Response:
3.05.17
